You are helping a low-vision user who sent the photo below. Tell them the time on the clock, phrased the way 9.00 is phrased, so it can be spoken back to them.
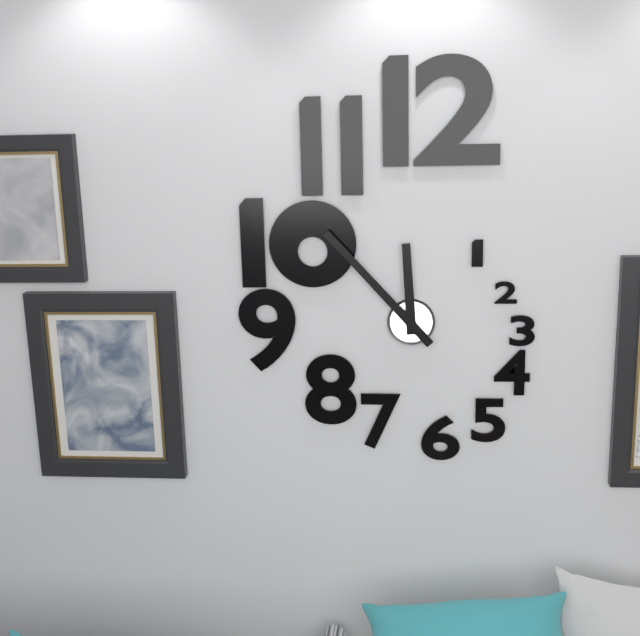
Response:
11.53
